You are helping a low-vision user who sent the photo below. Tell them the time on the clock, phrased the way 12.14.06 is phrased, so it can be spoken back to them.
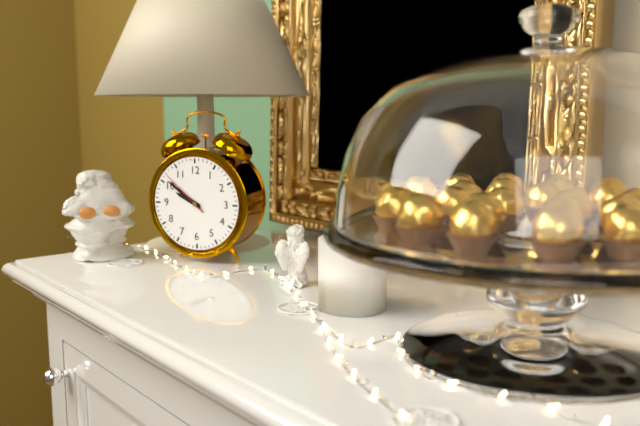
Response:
9.51.52
